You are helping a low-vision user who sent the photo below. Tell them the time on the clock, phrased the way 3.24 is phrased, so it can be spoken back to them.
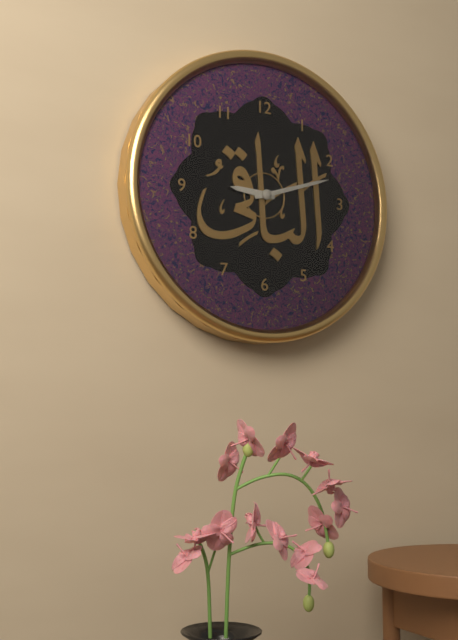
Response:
9.12
